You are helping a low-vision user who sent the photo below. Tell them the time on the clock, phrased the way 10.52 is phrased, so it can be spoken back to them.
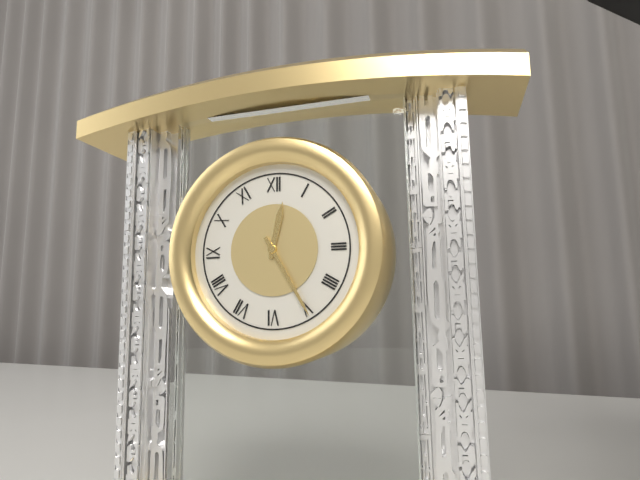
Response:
12.25
